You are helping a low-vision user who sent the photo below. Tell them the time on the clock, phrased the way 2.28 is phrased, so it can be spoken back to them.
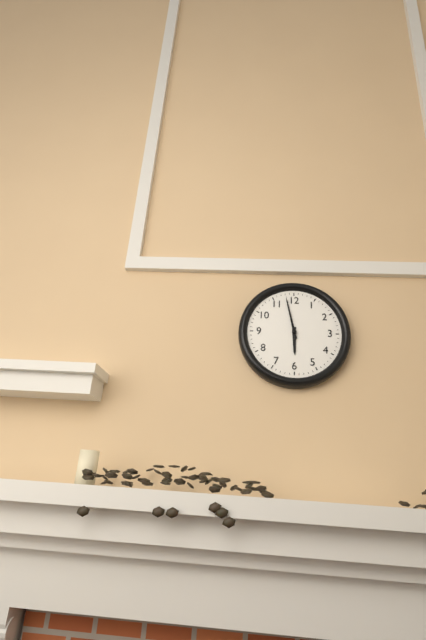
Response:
5.58
